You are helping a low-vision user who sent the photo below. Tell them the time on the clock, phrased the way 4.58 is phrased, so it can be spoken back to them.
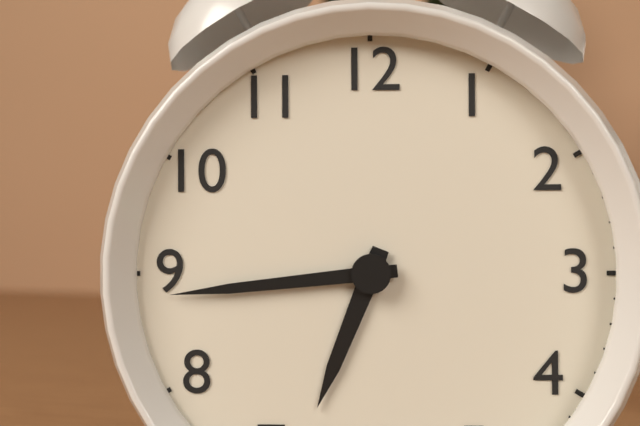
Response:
6.44
